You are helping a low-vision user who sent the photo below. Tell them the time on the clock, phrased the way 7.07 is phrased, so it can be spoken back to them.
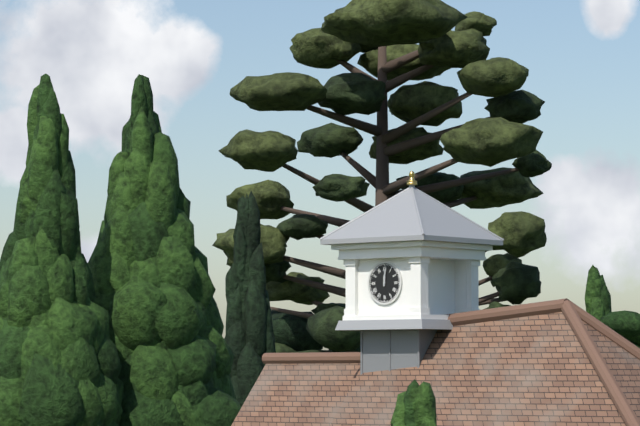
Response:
12.01
